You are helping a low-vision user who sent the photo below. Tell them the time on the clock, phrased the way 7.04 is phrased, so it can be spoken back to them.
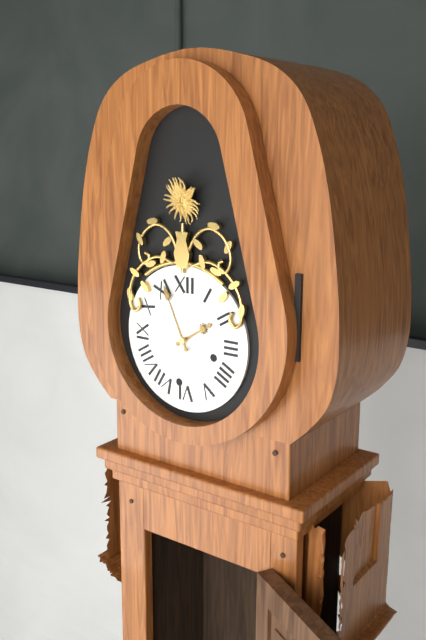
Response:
1.56
